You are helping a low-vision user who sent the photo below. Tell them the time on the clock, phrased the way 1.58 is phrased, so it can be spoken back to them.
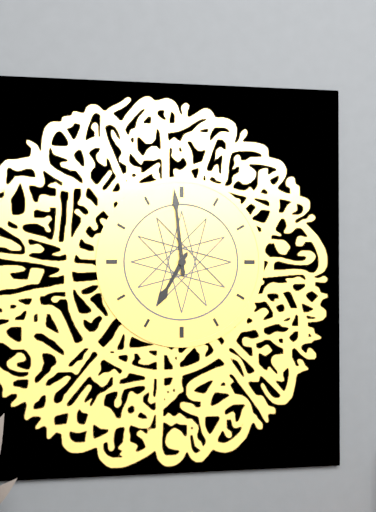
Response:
6.59
